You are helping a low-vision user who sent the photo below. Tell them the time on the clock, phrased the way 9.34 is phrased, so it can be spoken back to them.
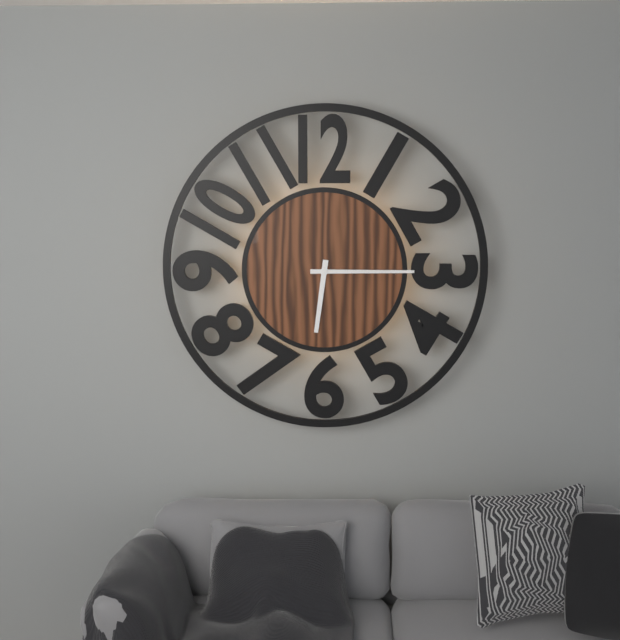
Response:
6.15
